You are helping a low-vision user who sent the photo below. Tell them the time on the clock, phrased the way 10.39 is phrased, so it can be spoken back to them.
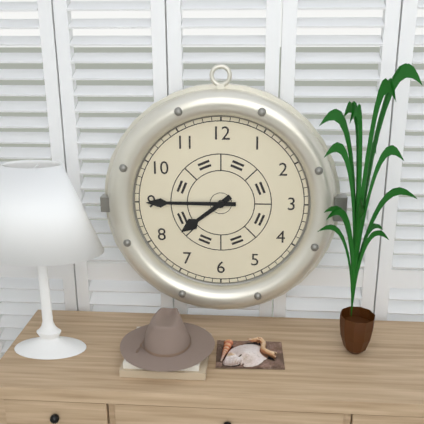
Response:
7.45
